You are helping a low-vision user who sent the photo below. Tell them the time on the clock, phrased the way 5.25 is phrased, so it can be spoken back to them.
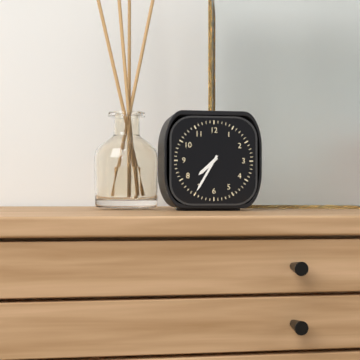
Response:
7.35
